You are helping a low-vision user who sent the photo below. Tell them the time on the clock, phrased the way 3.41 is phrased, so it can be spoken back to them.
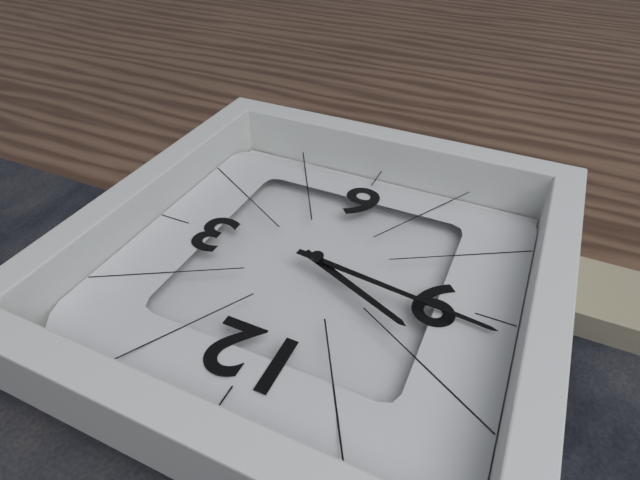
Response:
9.46
